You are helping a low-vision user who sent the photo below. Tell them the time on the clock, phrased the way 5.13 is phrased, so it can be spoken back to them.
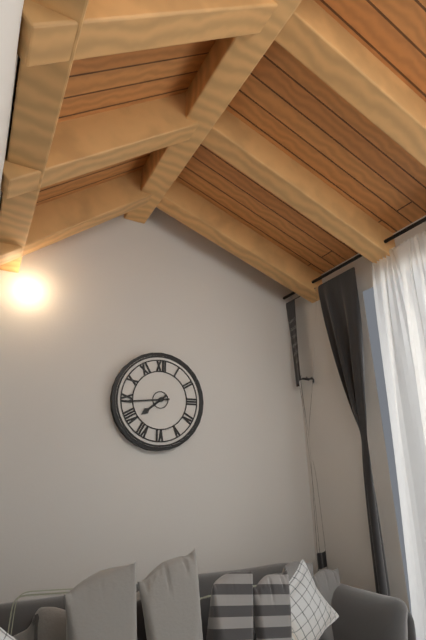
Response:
7.44
